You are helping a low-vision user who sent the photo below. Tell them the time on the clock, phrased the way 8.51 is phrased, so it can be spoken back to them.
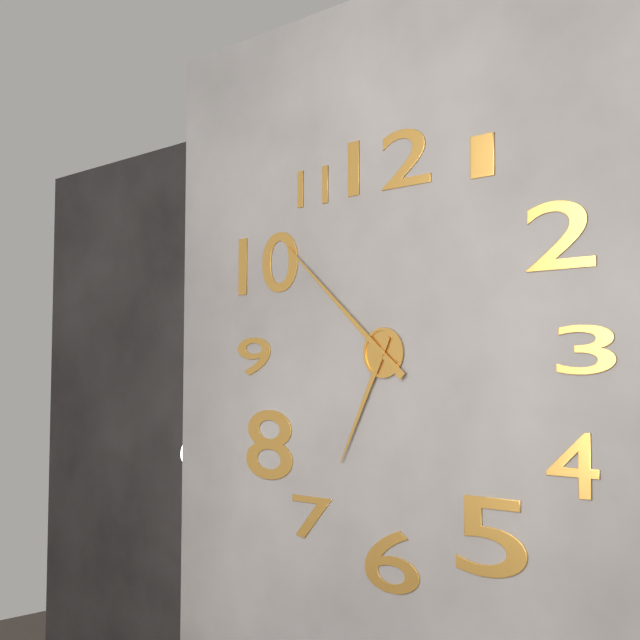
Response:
6.52
